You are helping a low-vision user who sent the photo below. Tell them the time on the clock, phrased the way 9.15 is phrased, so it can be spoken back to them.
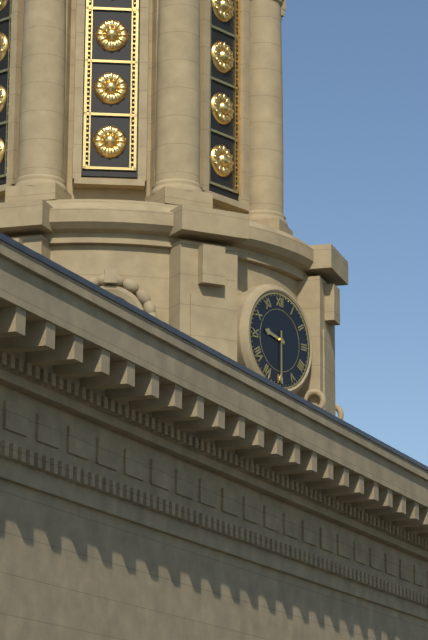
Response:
9.30
